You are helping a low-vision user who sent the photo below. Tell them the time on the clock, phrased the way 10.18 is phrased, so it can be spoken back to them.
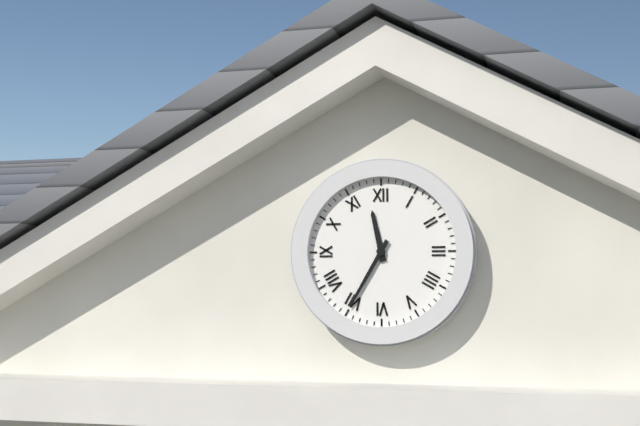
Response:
11.35
